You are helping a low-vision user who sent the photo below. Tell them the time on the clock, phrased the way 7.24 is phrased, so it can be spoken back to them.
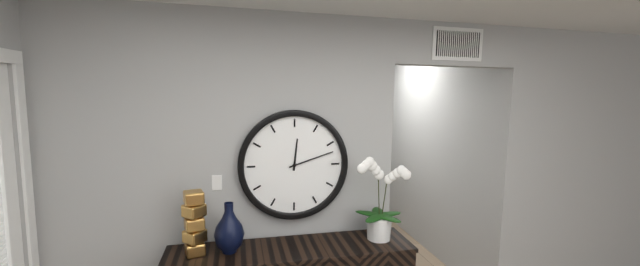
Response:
12.12
